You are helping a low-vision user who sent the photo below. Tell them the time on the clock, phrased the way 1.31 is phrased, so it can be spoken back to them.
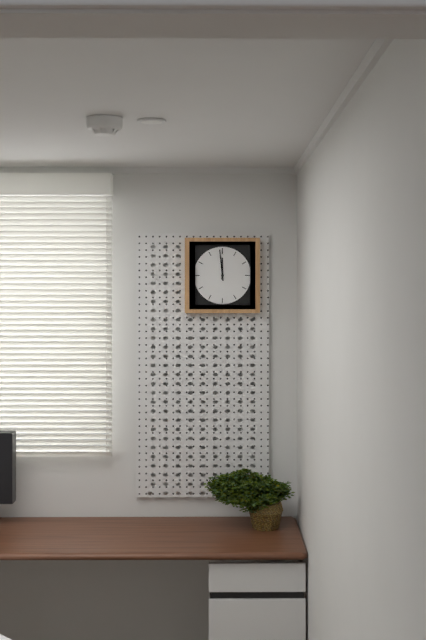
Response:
11.59
